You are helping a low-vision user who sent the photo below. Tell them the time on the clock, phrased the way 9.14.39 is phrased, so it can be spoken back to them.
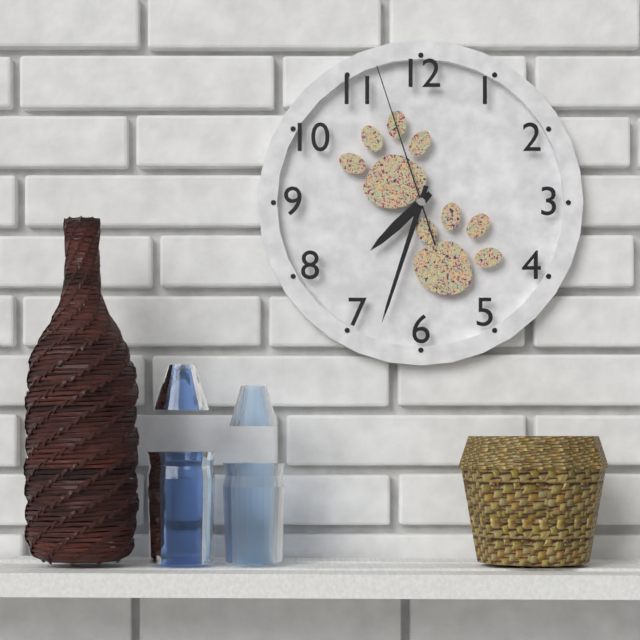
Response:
7.33.57
